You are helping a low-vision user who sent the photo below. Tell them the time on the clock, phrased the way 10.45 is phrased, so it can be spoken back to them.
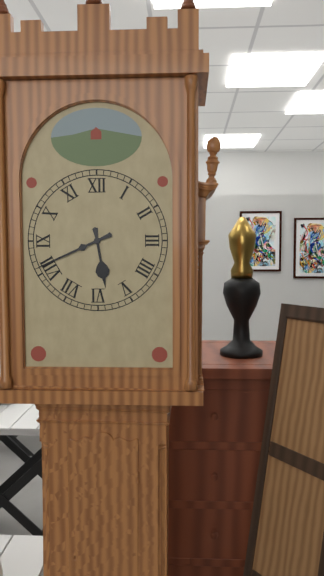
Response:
5.41
